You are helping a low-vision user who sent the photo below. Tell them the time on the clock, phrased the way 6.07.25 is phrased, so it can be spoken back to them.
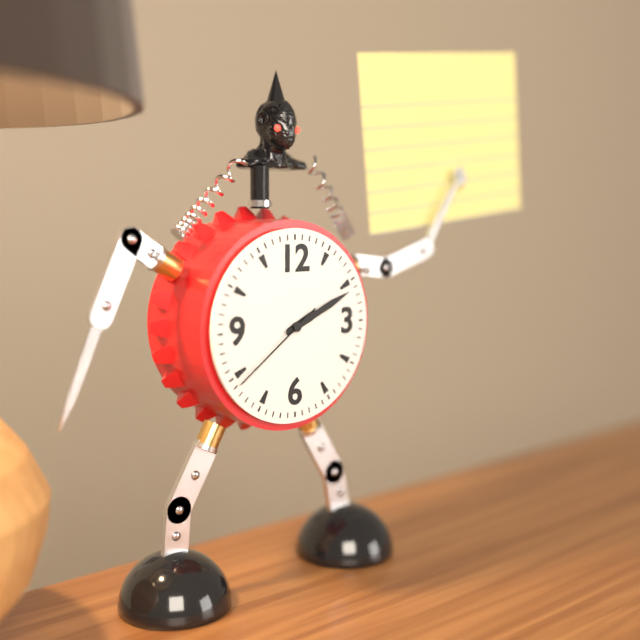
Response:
2.11.39
